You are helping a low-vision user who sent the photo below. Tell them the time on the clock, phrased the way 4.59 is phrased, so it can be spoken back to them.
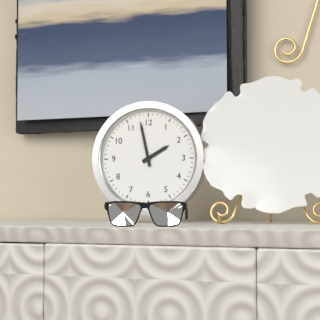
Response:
1.58
